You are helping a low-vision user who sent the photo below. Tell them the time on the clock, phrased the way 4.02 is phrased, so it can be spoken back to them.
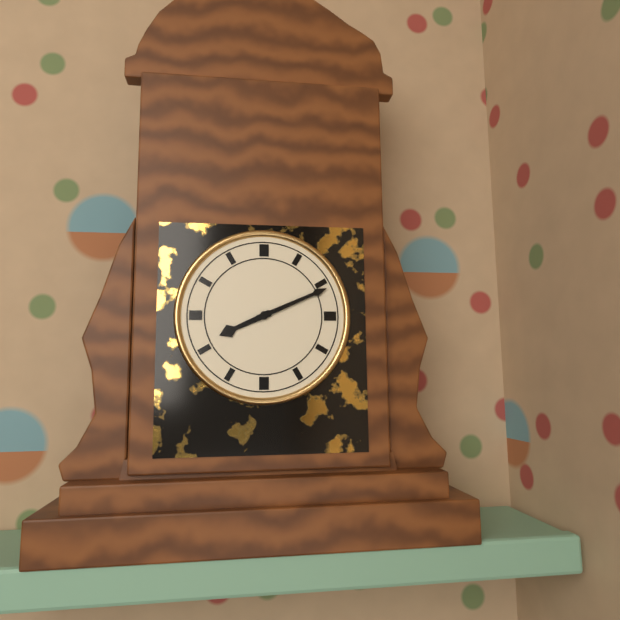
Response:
8.11
